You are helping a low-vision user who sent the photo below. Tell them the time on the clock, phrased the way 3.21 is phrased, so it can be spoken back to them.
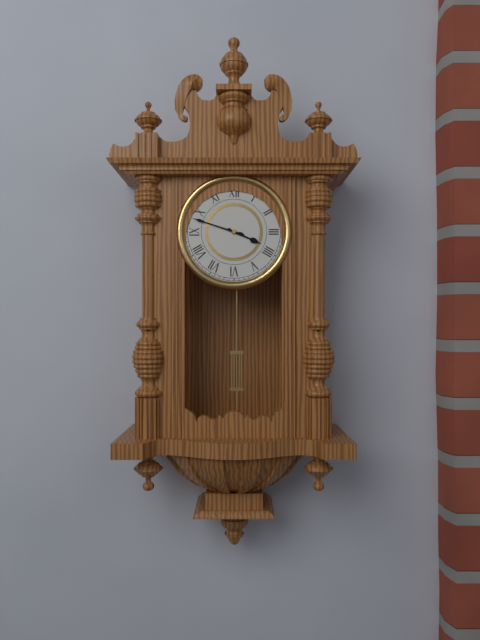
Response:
3.48
